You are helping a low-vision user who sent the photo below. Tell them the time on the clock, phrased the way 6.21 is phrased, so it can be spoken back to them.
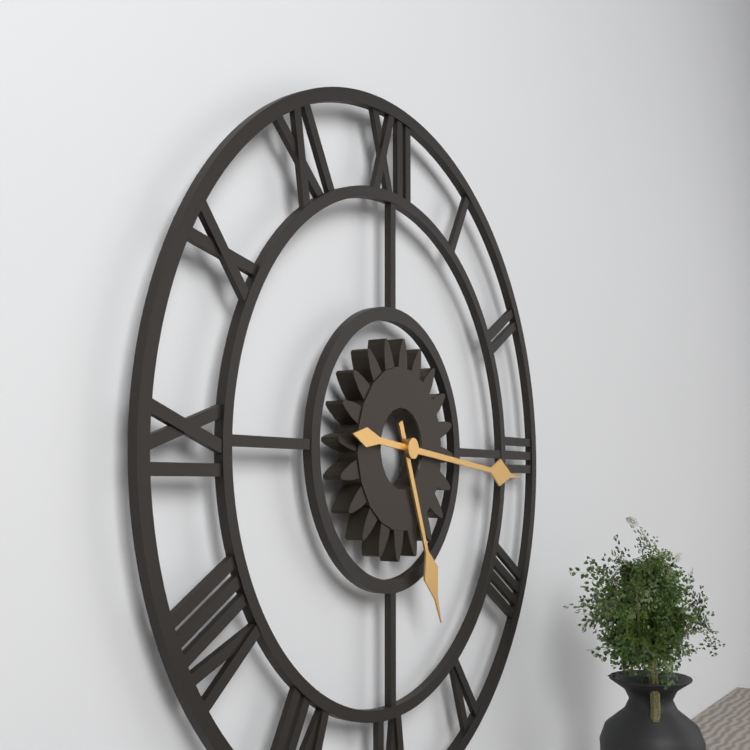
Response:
5.16
